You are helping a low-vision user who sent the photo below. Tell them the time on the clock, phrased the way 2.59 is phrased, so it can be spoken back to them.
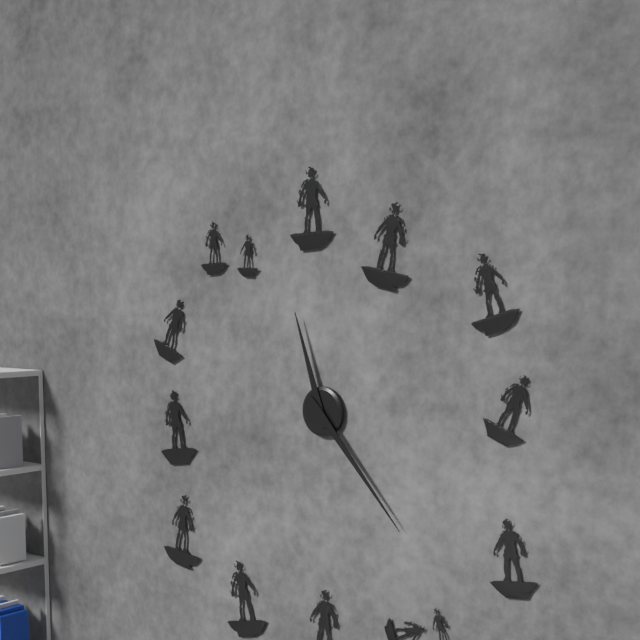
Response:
11.23
